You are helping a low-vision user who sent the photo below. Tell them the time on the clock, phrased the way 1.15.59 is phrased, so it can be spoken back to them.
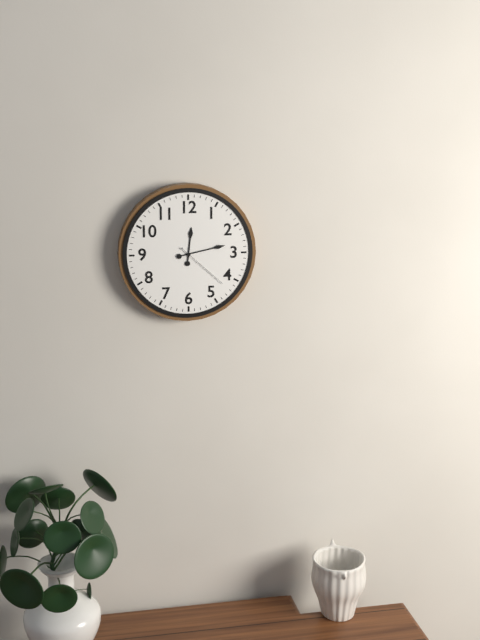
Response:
12.13.22
